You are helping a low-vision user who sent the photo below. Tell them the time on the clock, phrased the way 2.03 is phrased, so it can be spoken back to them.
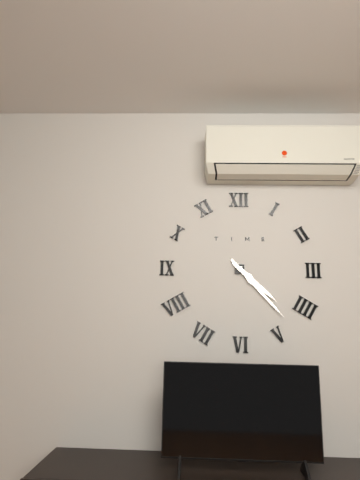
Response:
4.23
